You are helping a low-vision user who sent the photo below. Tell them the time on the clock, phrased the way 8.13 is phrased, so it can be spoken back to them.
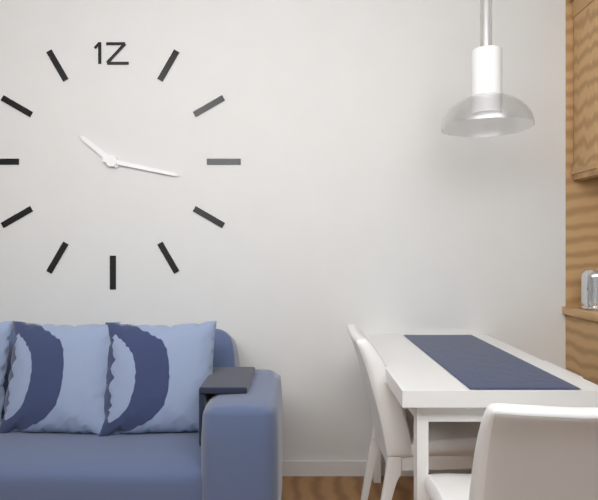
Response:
10.17
